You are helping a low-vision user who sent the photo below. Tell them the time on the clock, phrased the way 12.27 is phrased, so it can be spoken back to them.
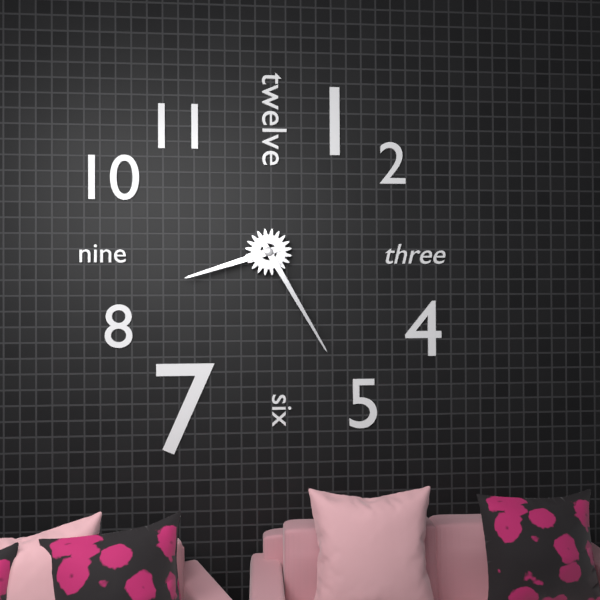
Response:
8.25
